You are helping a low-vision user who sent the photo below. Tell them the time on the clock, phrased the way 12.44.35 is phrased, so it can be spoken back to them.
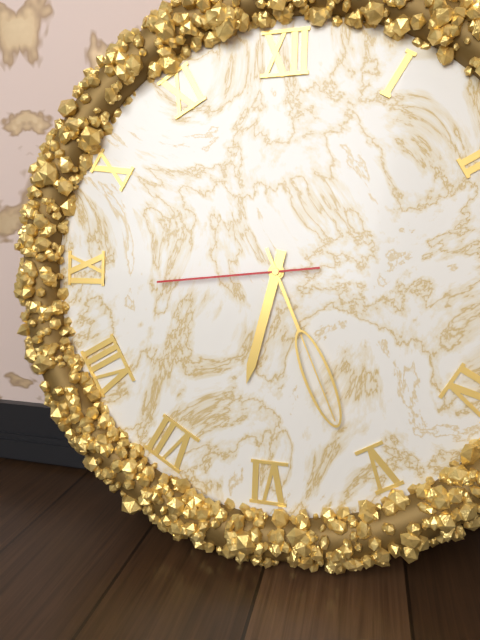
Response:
6.26.44
